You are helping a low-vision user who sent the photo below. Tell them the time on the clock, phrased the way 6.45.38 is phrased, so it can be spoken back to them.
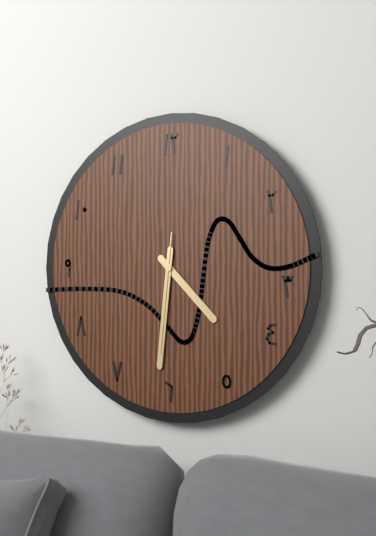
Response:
4.31.31
